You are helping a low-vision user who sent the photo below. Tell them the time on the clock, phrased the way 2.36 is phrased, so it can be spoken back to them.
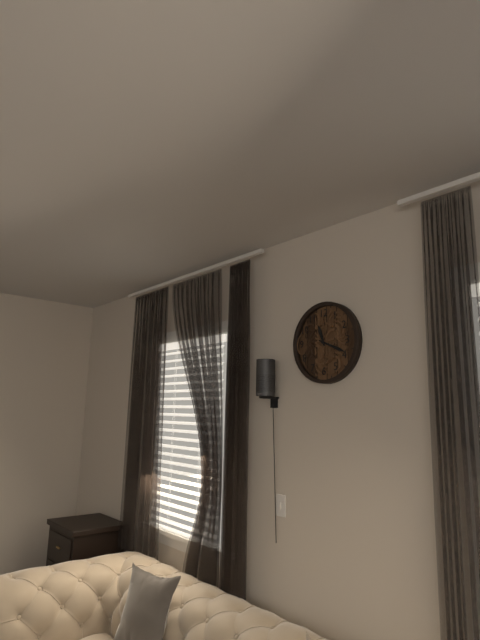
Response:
11.19
